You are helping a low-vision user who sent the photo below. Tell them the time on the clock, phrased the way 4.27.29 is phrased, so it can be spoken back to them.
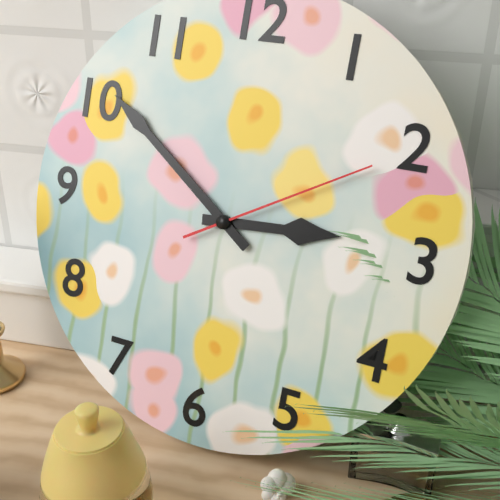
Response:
2.51.10
